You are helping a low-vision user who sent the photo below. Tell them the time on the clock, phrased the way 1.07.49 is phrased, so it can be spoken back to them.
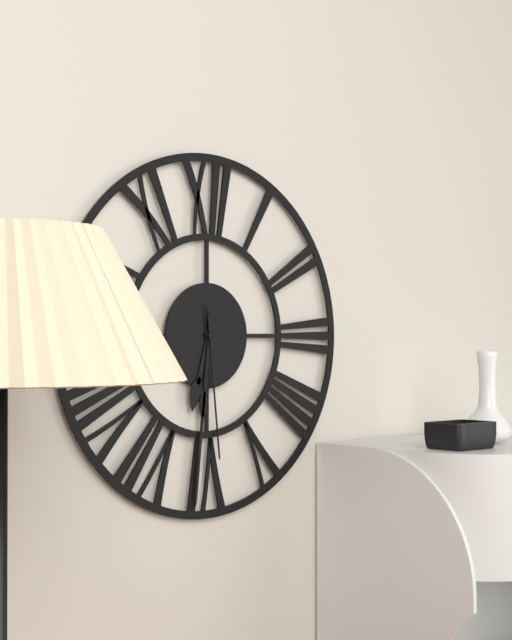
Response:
6.31.29
